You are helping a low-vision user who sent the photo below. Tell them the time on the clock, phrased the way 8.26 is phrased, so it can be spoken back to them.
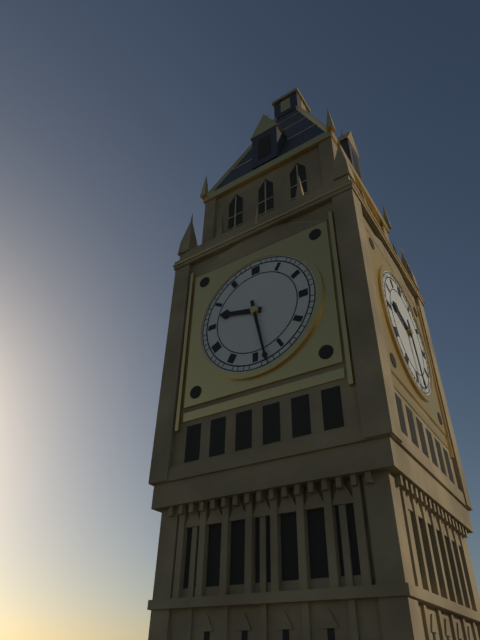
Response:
9.28
